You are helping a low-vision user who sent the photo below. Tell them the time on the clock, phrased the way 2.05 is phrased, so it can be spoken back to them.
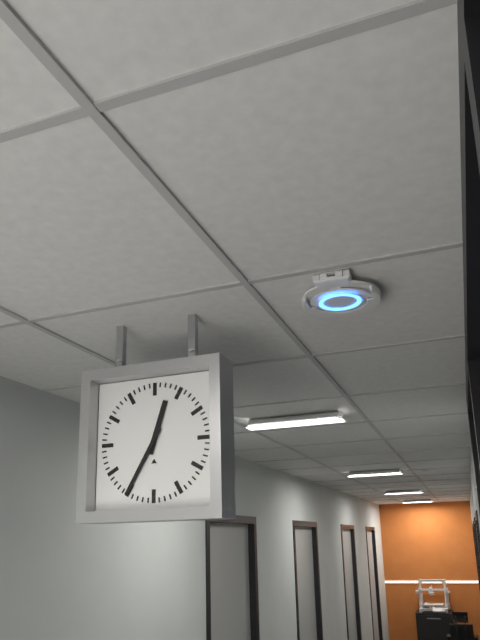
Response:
12.35
